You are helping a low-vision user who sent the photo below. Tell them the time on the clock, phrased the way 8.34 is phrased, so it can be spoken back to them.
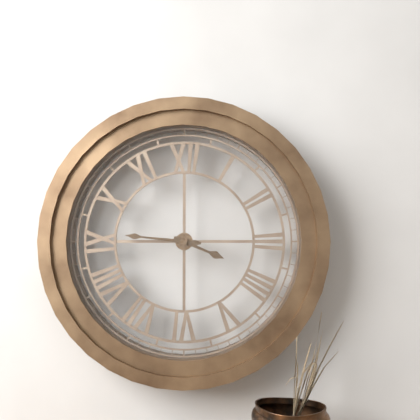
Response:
3.46
